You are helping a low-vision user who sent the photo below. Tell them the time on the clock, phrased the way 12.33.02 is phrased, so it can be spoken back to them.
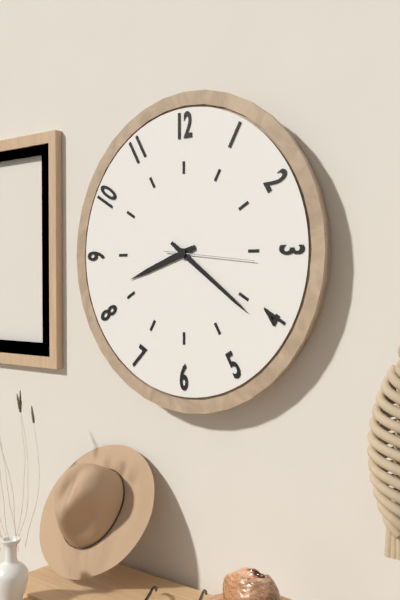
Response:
8.21.16
